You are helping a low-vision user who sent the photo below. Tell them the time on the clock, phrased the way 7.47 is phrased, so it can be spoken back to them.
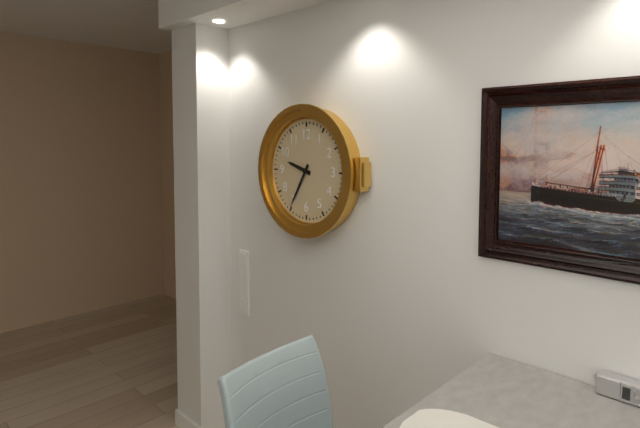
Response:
9.35
